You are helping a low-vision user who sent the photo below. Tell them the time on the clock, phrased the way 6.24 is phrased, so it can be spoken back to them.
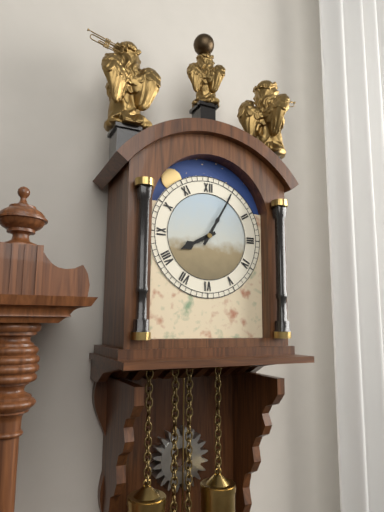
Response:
8.05
